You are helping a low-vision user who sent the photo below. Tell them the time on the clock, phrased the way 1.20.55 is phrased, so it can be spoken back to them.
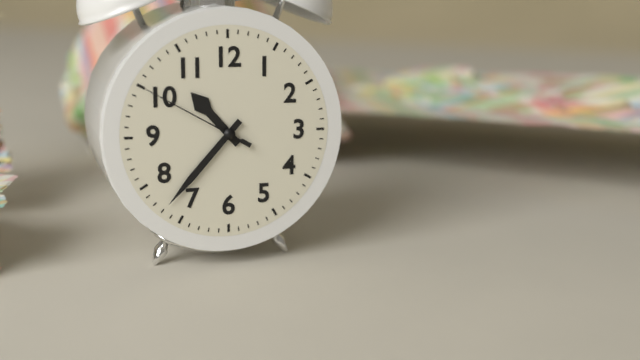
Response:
10.37.50
